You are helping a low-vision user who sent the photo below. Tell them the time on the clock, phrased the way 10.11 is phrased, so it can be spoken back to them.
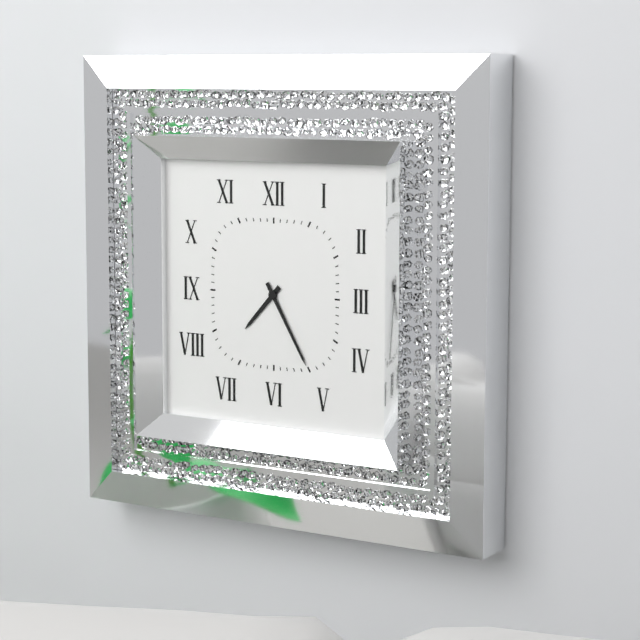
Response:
7.25
